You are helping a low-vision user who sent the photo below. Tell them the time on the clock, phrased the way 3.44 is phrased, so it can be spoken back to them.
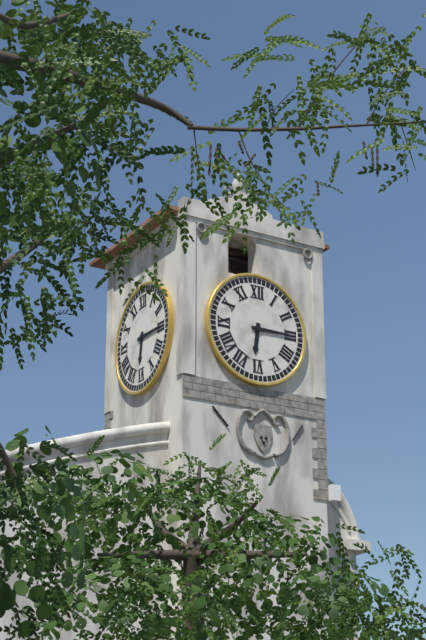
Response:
6.15
